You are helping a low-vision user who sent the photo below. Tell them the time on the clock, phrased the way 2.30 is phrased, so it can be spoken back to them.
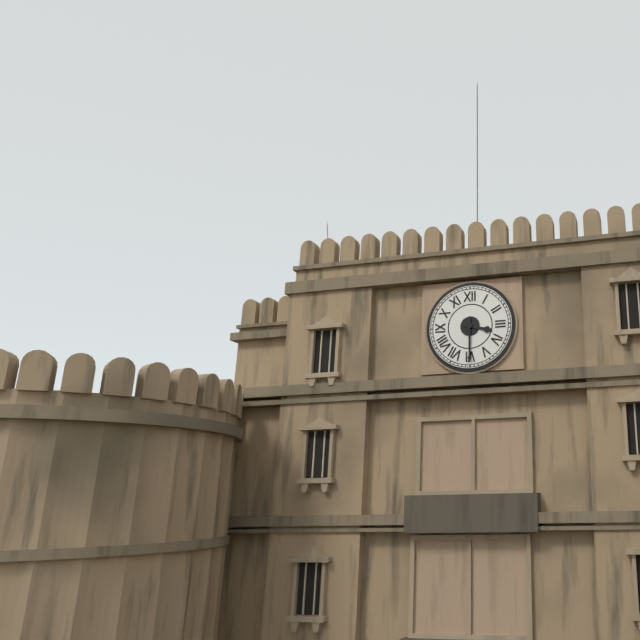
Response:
3.30
